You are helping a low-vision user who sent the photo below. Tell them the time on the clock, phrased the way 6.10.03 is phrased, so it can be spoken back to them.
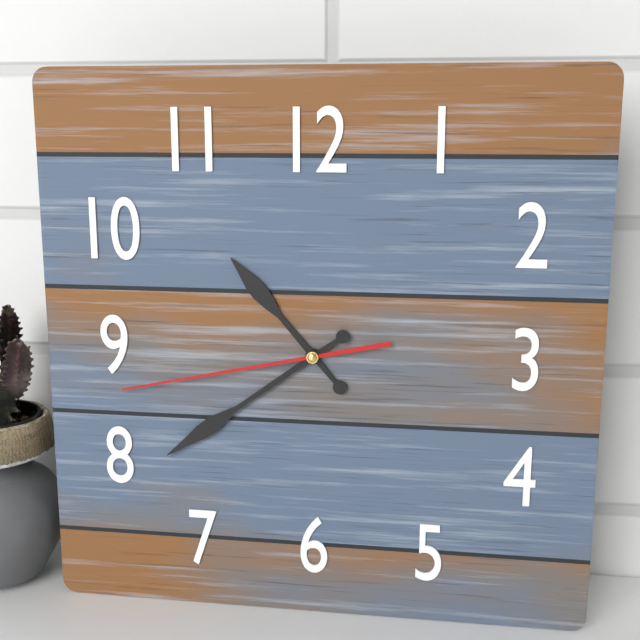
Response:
10.39.43
